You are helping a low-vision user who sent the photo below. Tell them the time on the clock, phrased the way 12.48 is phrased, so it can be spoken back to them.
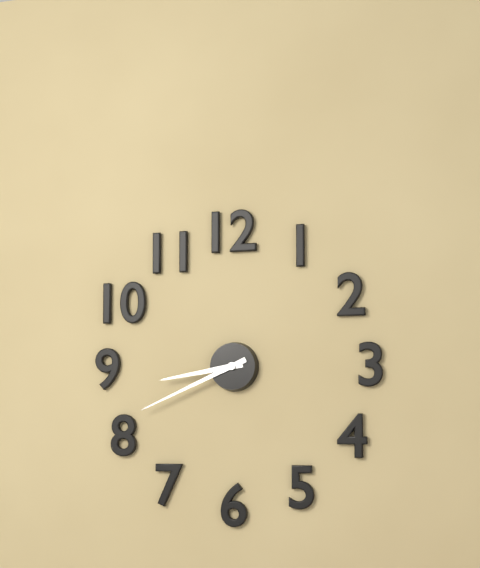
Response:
8.41
